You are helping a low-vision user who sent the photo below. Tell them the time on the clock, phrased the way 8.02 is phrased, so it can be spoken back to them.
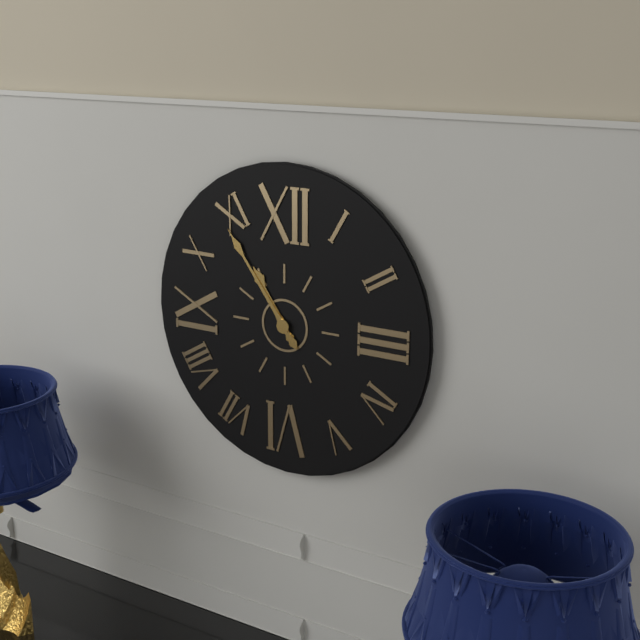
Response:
10.54
